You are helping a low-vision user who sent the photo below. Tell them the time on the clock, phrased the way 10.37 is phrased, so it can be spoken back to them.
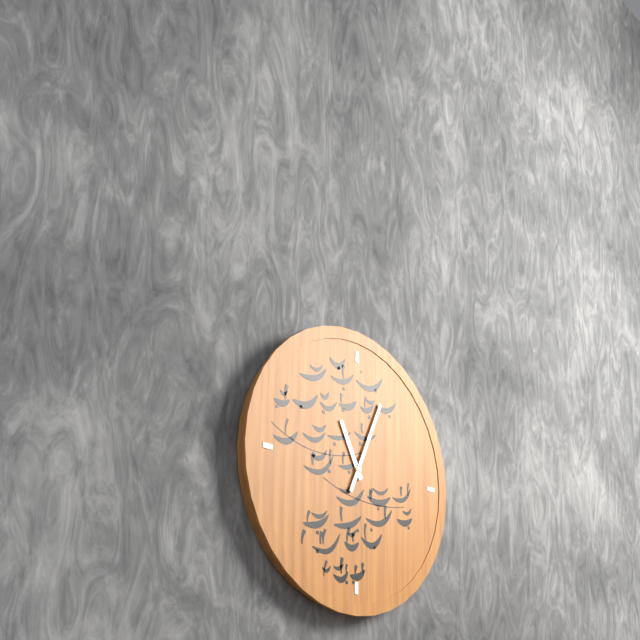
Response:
11.04
